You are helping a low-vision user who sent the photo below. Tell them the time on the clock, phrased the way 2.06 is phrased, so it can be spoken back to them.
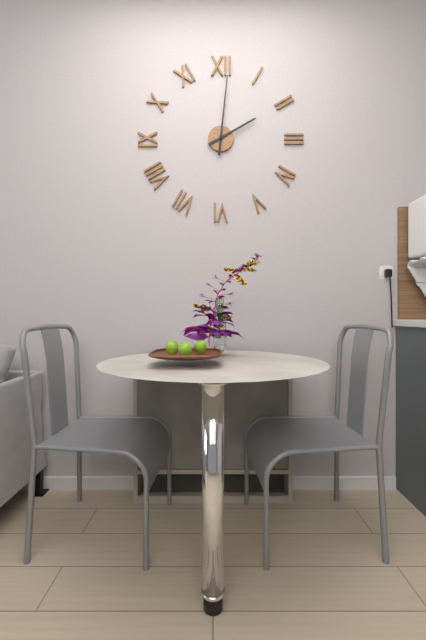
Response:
2.01
